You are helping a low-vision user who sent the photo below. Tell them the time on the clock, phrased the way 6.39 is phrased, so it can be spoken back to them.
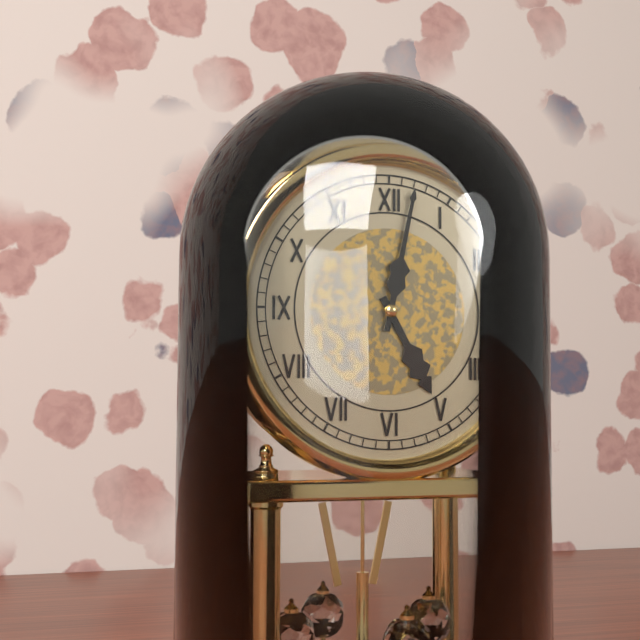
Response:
5.02
